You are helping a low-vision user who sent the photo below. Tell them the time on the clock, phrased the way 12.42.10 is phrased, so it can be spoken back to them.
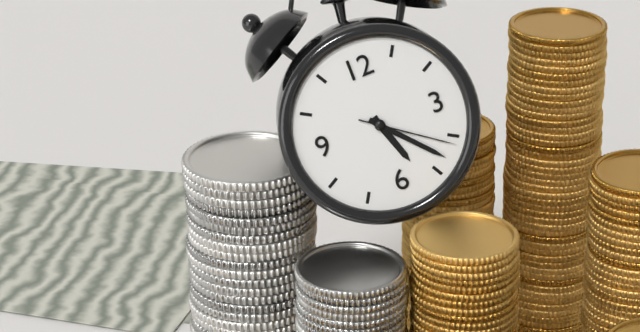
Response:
5.23.21
